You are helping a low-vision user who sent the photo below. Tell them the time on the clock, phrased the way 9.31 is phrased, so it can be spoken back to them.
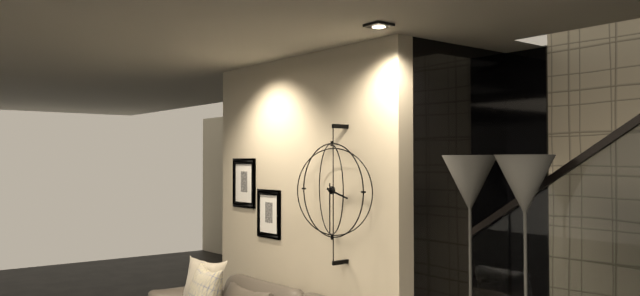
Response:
3.30
